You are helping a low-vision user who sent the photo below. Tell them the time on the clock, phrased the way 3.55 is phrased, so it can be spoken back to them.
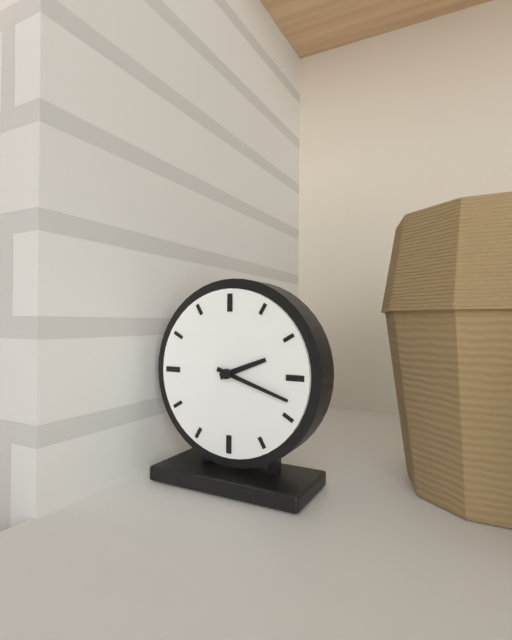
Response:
2.18
